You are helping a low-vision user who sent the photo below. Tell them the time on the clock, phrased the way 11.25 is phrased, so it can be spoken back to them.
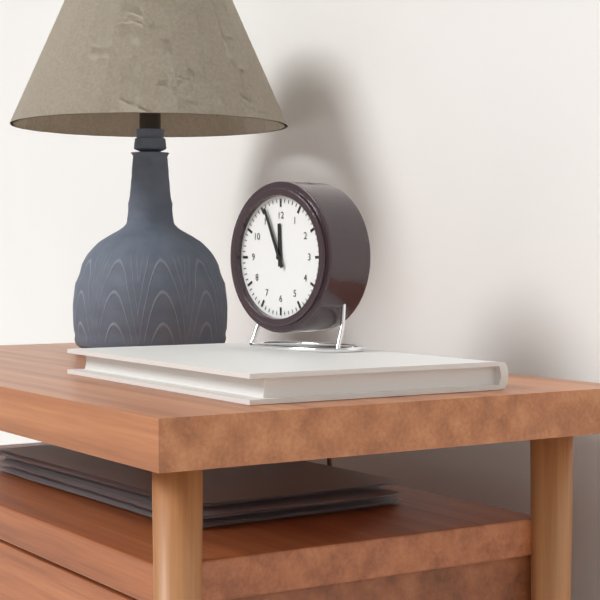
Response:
11.56
